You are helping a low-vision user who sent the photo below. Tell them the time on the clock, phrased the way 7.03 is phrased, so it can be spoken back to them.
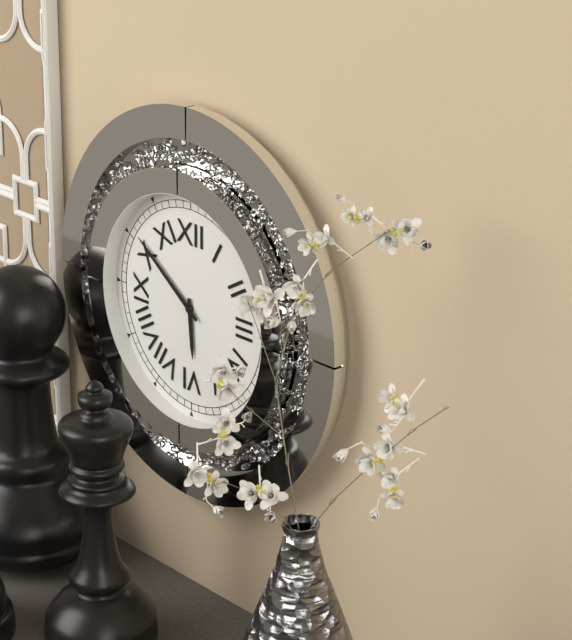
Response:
5.51
